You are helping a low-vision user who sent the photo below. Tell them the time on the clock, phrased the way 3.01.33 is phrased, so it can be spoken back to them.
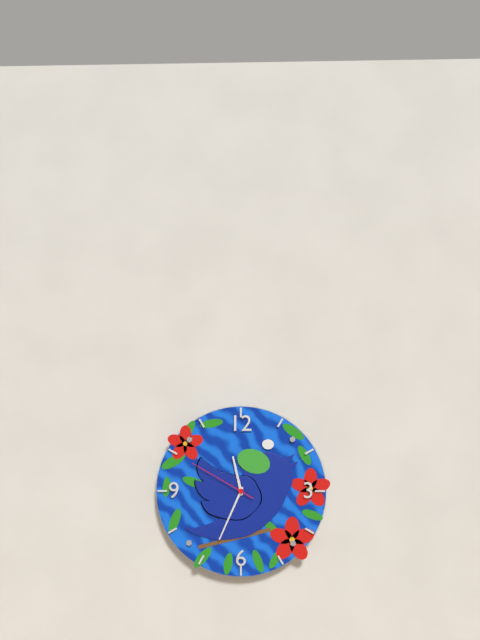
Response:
11.34.50
